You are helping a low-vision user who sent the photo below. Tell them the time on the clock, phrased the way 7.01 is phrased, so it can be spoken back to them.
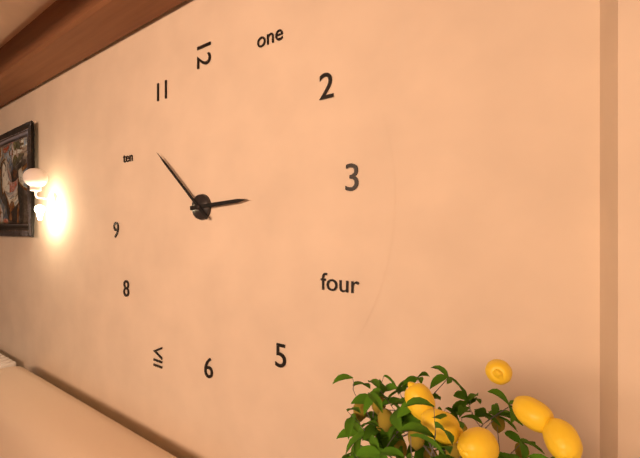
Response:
2.52
